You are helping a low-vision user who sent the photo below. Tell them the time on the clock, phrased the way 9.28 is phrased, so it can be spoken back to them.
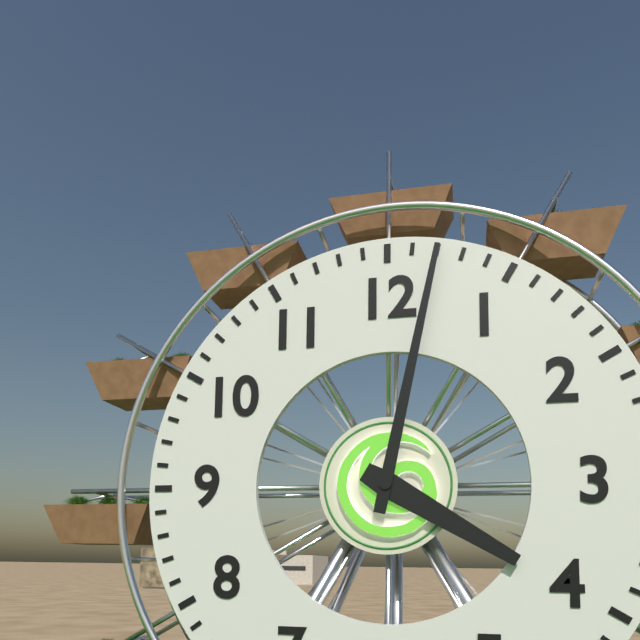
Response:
4.02
